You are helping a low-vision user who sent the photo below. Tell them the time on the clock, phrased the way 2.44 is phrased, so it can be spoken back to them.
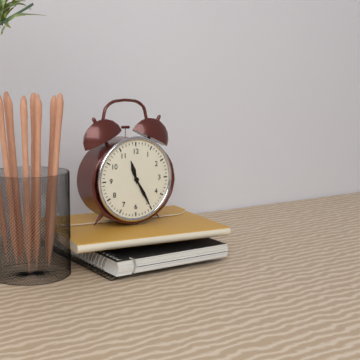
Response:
11.25
